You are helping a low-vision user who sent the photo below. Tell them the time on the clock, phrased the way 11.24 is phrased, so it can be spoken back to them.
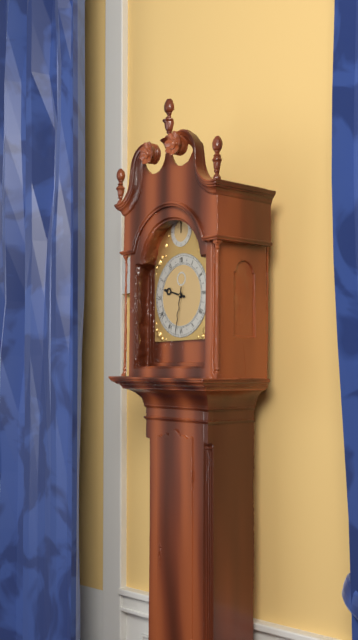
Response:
9.32
